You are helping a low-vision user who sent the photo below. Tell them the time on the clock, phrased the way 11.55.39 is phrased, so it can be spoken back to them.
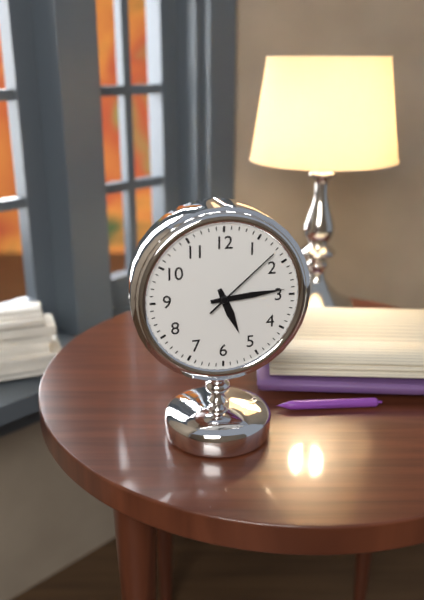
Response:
5.14.08
